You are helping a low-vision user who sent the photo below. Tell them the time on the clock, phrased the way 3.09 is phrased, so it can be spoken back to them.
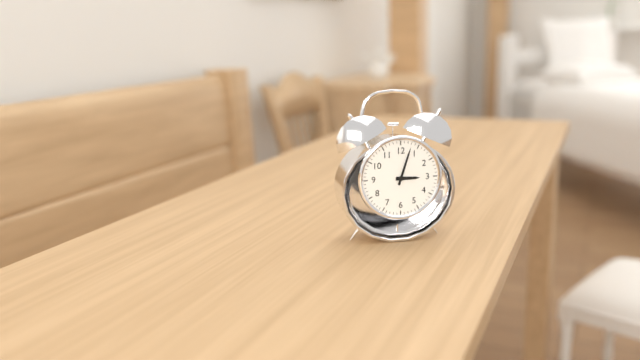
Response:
3.03
